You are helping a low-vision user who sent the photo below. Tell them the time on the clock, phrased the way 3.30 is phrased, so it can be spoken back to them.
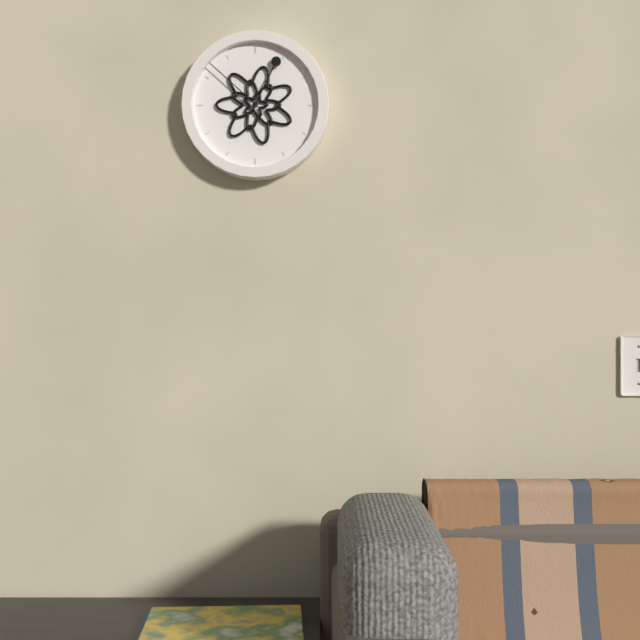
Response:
12.52
